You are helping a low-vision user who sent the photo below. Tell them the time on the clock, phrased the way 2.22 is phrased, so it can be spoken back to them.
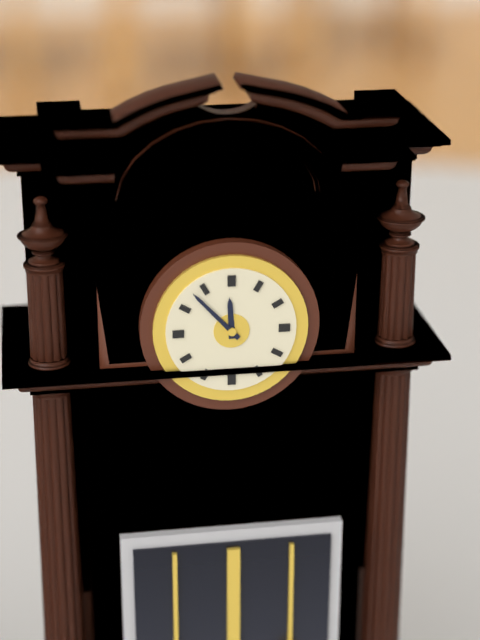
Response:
11.53
